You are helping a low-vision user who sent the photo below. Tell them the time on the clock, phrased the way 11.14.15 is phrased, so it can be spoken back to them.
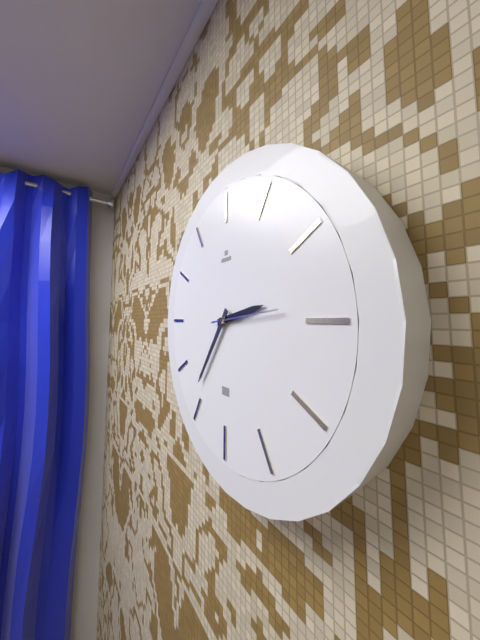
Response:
2.36.14
